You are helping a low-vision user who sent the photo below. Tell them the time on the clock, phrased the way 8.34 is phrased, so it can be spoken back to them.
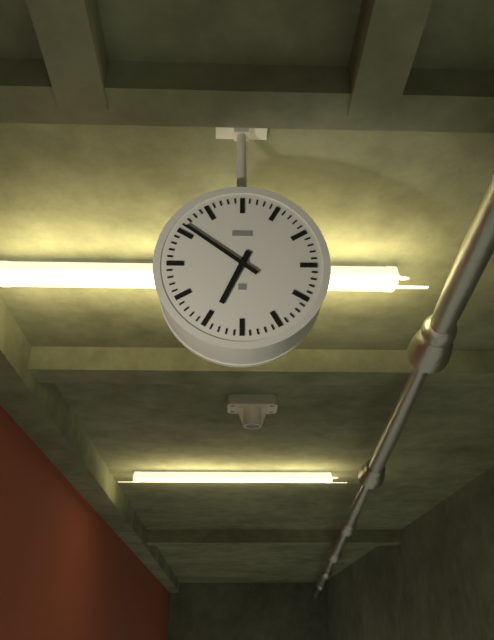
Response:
6.51
